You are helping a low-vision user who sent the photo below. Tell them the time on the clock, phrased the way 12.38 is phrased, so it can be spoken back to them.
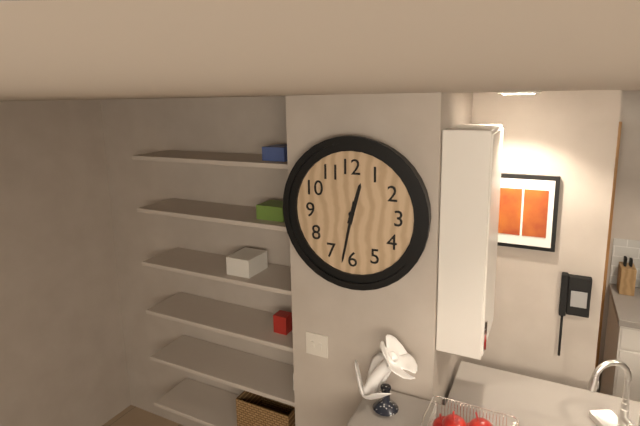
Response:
12.32
